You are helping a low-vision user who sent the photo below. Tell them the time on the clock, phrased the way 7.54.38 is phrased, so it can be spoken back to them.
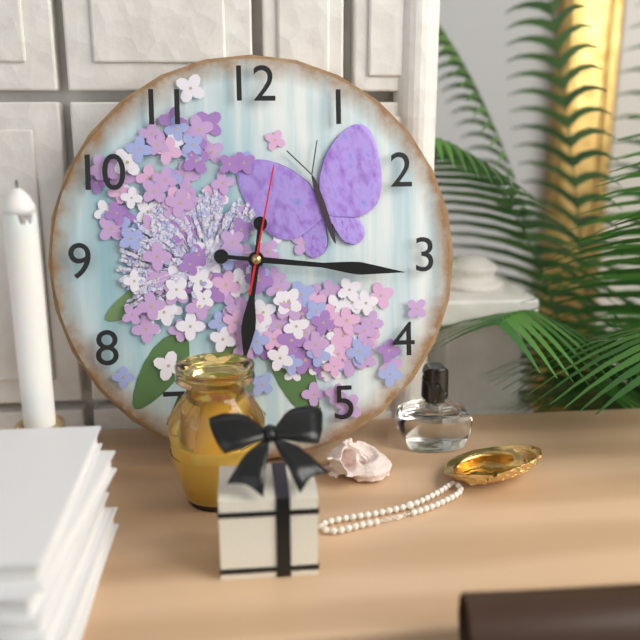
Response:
6.16.02
